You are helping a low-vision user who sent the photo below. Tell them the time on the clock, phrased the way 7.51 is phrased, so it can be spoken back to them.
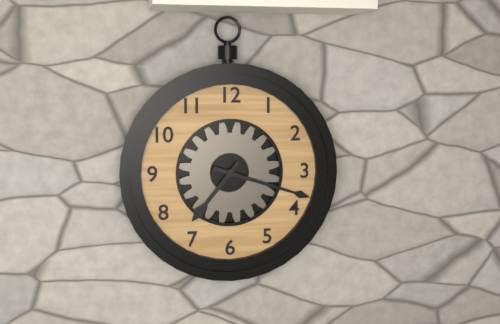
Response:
7.18
